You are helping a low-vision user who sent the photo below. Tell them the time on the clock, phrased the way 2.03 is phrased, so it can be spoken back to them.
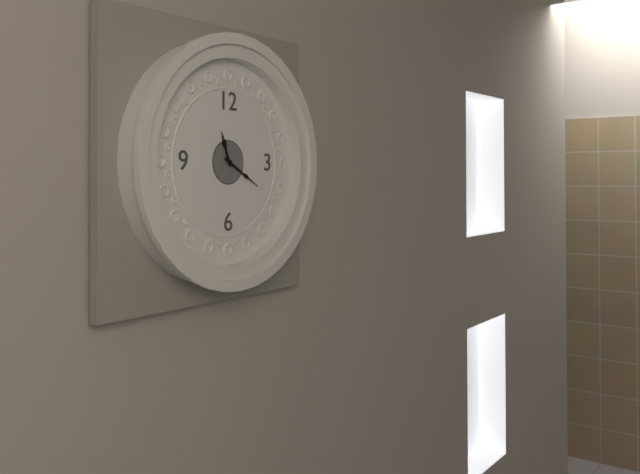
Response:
11.20
